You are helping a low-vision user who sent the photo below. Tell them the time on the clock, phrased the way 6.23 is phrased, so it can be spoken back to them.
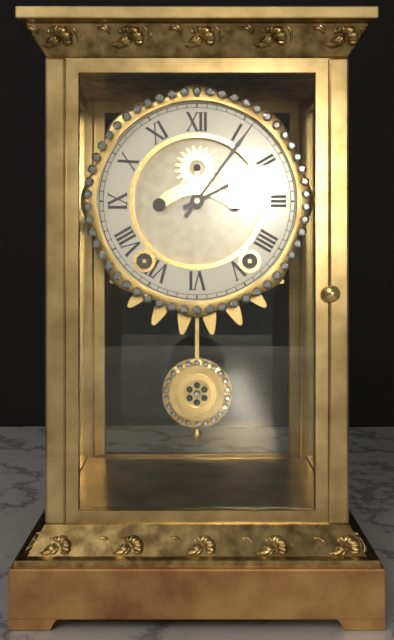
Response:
2.06
